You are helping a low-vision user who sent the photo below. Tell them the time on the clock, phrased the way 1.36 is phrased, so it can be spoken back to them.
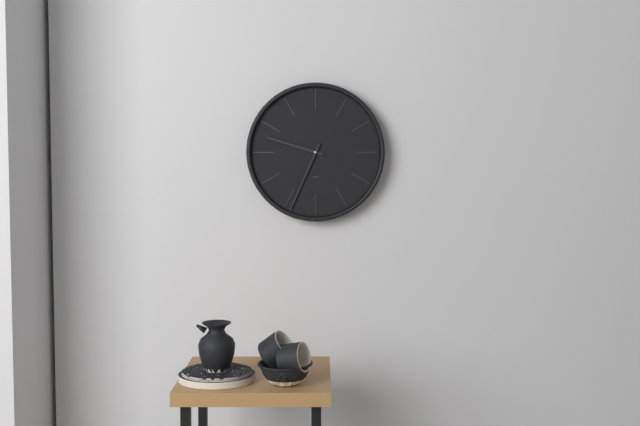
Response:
9.34
